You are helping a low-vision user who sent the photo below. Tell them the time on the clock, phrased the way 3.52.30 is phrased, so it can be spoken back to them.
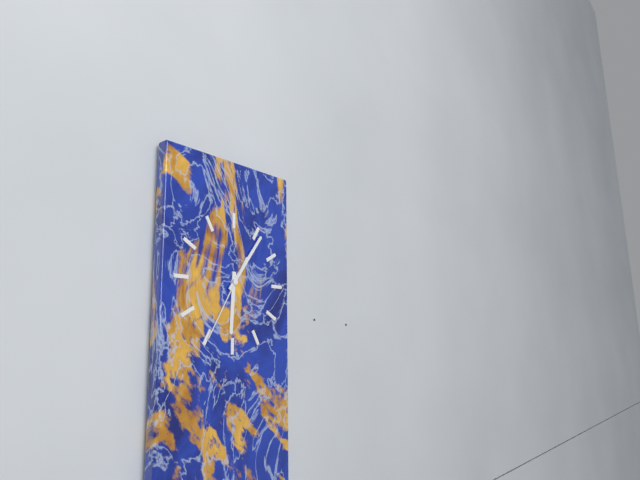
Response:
6.06.35
